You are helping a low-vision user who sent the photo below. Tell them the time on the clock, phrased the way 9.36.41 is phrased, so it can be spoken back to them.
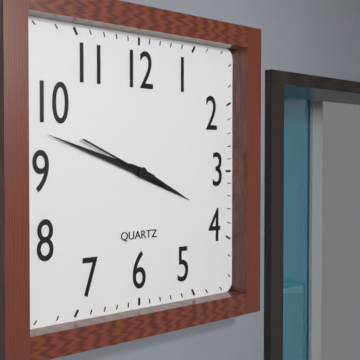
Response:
3.48.49
